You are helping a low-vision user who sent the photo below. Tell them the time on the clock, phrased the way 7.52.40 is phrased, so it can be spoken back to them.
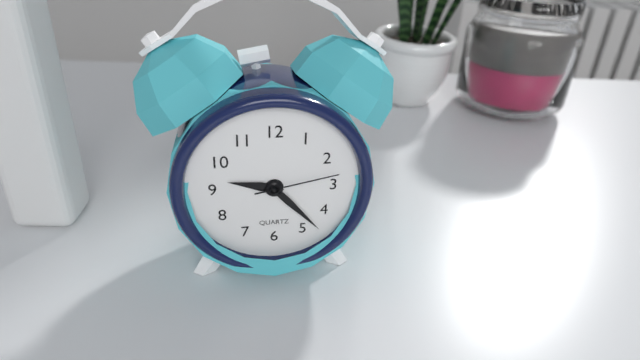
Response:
9.23.13
